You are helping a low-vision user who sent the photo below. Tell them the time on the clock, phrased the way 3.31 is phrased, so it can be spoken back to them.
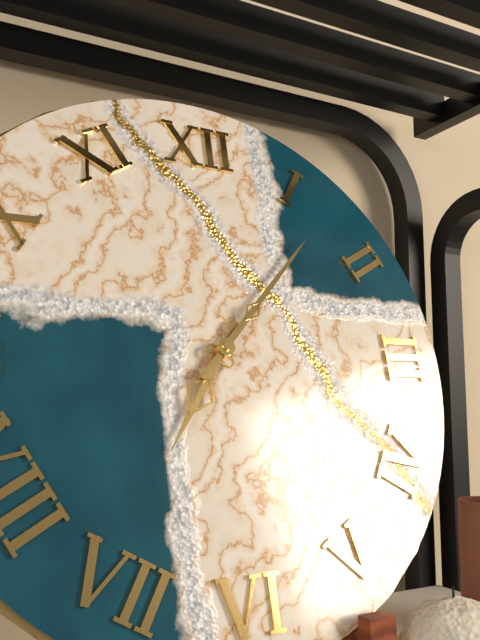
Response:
7.07
